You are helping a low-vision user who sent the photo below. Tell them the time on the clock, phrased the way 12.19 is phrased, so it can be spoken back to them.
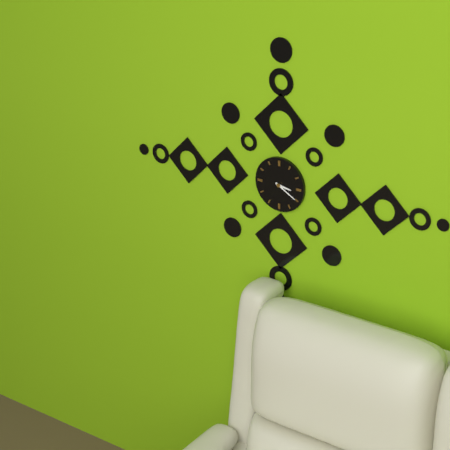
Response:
3.20
